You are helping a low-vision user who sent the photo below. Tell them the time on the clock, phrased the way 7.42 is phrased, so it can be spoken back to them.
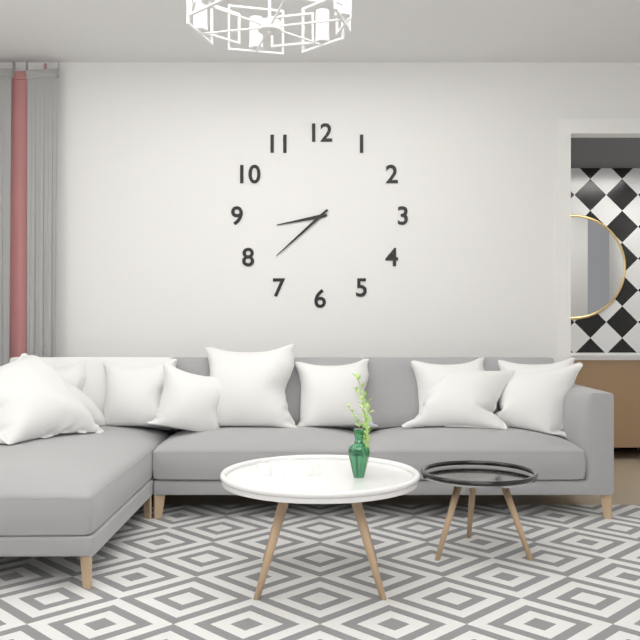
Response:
8.38
